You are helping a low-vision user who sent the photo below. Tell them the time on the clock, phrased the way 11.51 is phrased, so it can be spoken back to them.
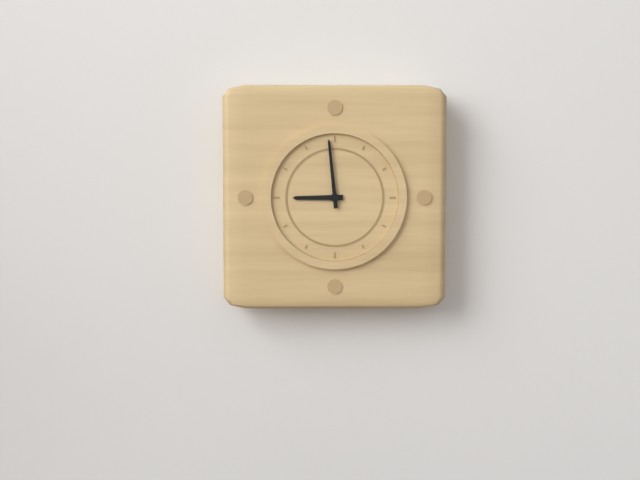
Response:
8.59
